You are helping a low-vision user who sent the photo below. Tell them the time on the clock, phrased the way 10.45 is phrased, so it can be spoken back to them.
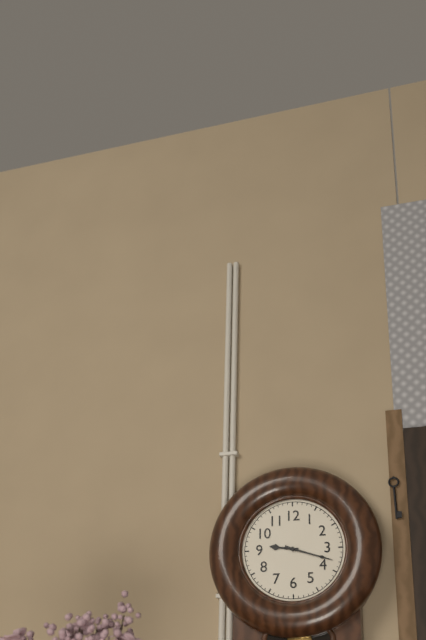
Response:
9.18
